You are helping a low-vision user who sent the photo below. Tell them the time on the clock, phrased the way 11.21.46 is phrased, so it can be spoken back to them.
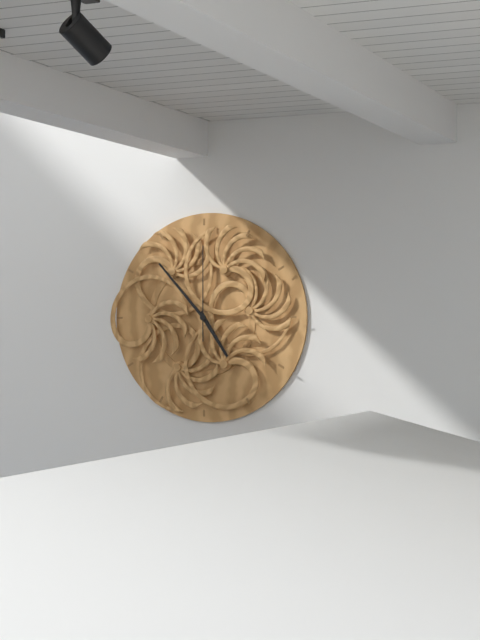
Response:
4.53.00
